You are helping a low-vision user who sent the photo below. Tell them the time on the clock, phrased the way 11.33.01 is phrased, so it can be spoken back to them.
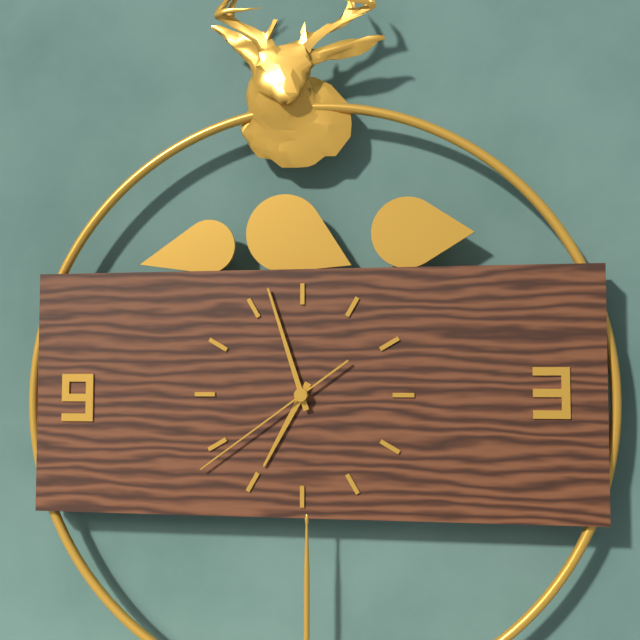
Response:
6.57.39
